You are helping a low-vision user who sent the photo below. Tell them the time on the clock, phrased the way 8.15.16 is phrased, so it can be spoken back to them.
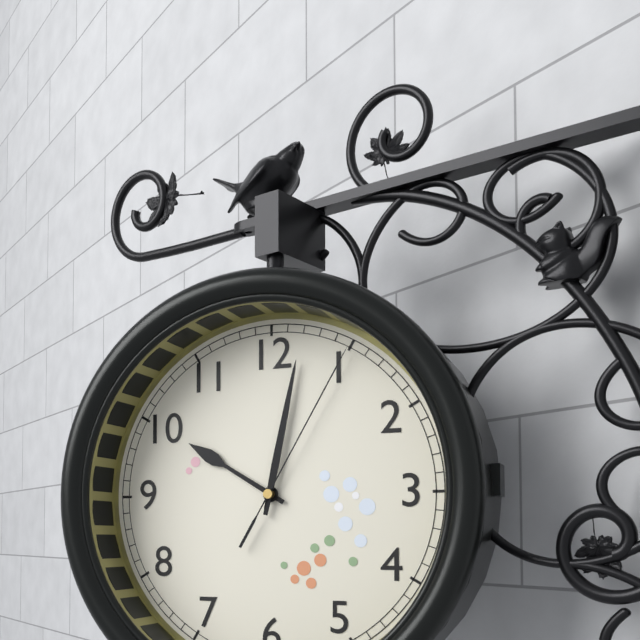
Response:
10.02.05
